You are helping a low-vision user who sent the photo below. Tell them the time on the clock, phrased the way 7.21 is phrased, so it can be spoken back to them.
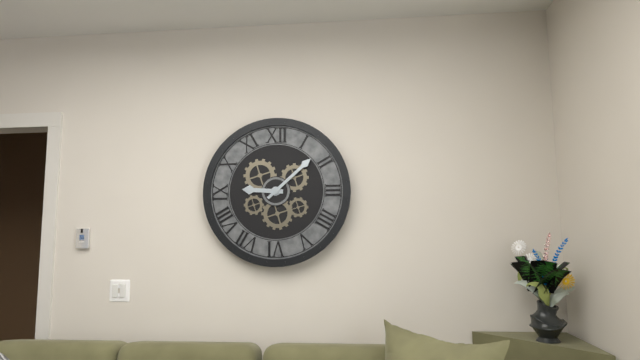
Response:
9.08
